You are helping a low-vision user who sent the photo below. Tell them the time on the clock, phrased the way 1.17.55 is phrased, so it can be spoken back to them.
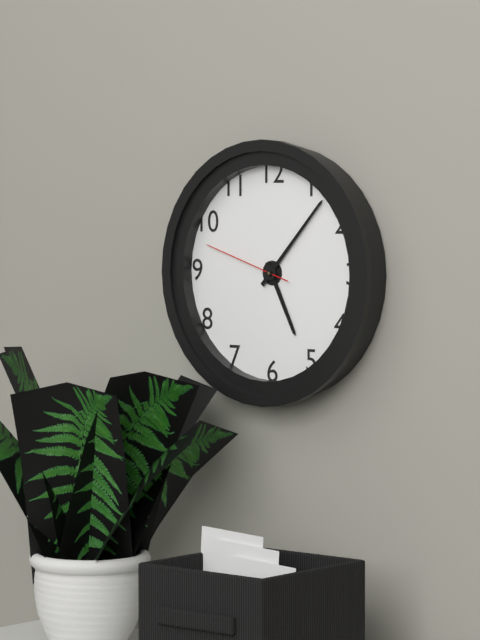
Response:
5.07.48
